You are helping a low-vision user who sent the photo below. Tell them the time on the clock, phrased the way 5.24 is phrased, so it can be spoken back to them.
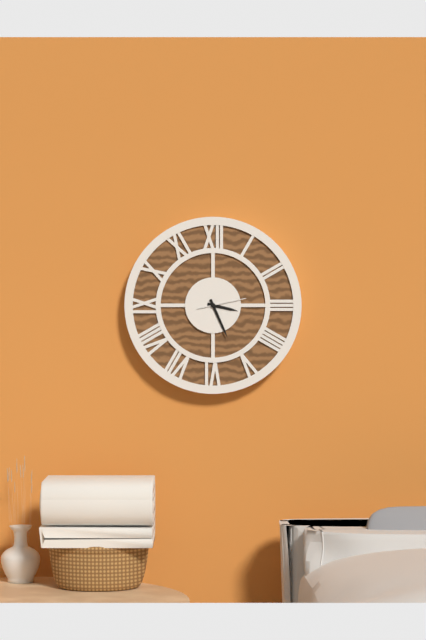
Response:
3.26
